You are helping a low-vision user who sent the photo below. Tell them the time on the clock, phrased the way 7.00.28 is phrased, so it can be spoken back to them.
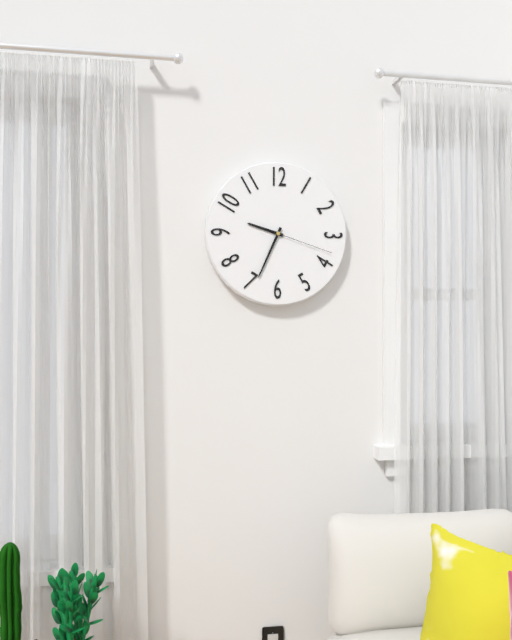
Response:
9.34.18
